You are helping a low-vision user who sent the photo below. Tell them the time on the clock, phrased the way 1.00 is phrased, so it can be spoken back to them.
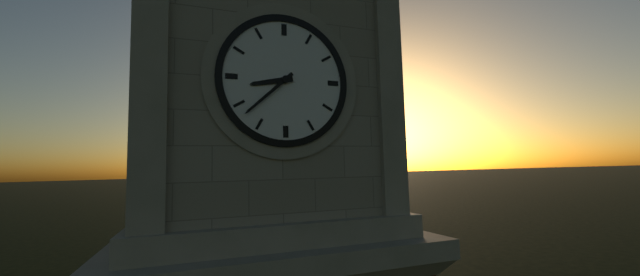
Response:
8.38
